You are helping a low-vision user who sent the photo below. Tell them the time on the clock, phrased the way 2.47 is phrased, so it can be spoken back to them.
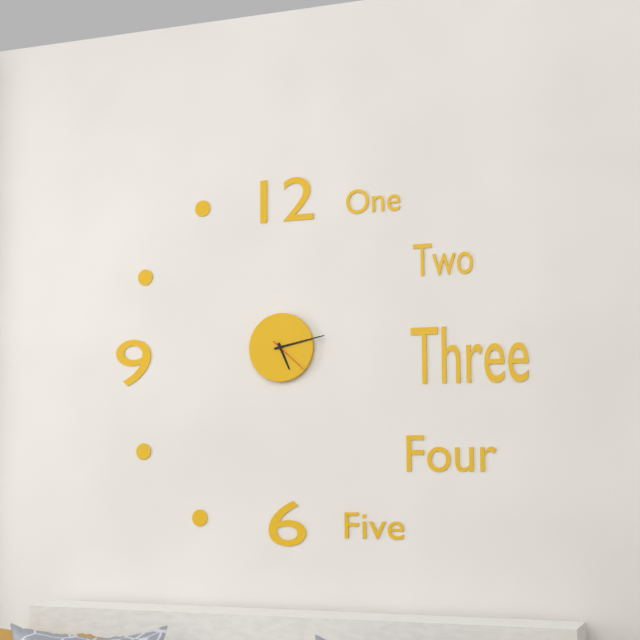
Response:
5.13
